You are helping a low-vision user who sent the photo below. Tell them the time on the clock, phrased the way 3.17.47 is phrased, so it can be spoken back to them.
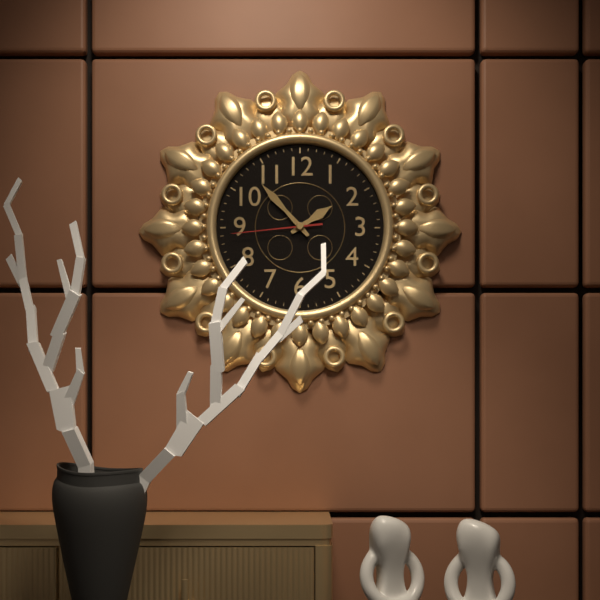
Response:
1.53.44
